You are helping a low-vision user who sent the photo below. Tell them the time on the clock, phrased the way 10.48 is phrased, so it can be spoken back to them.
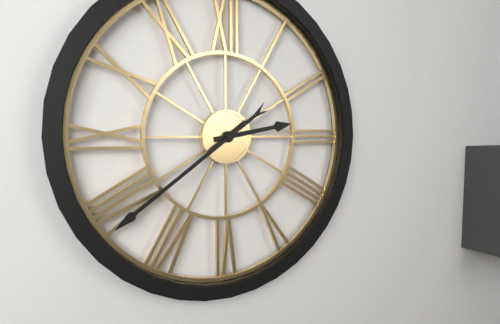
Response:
2.39
